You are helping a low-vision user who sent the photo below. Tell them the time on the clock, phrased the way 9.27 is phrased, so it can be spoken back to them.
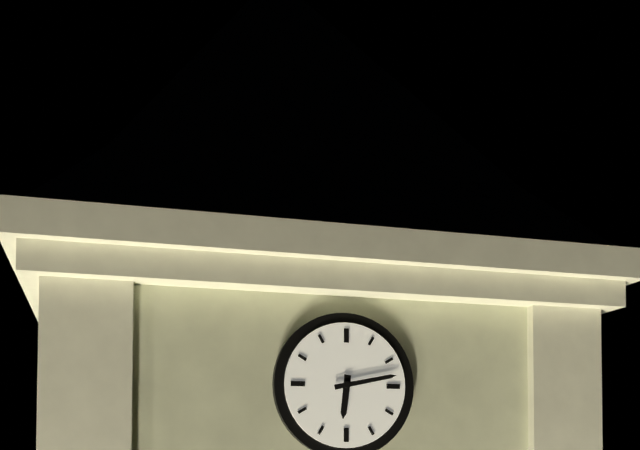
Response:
6.13
